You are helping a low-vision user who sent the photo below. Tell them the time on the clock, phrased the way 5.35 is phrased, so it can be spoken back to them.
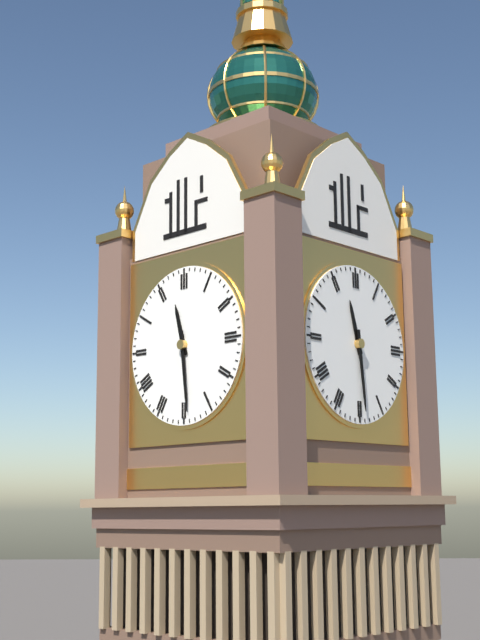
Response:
11.29
